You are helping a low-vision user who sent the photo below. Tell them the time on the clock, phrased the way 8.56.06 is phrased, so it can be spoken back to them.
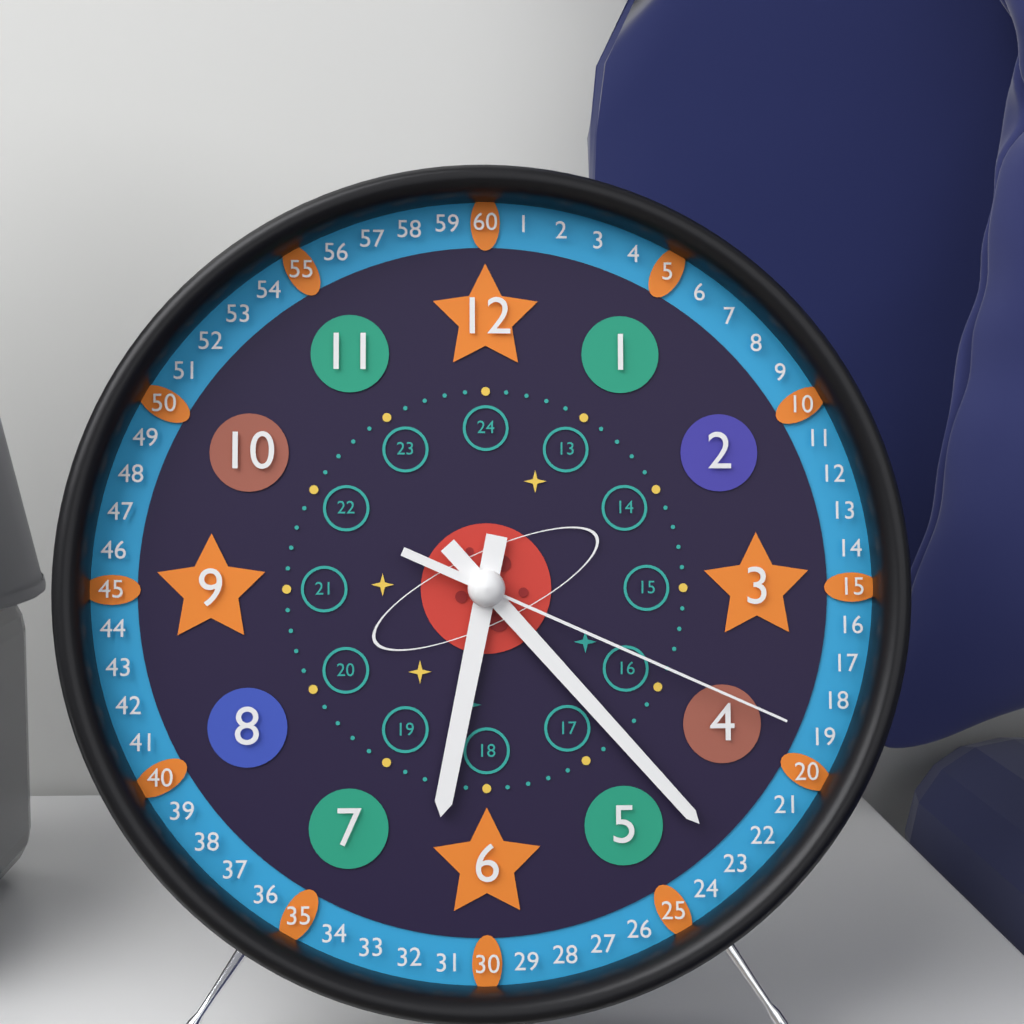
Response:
6.23.19
